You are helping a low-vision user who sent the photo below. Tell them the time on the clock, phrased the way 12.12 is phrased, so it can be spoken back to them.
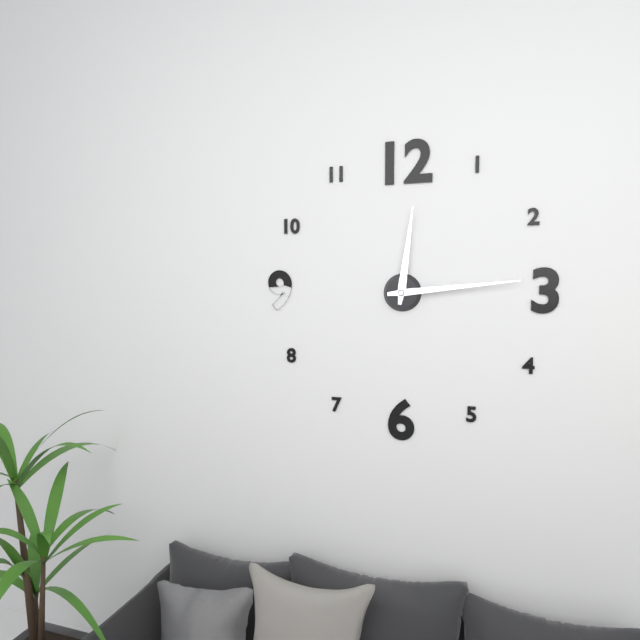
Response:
12.14
